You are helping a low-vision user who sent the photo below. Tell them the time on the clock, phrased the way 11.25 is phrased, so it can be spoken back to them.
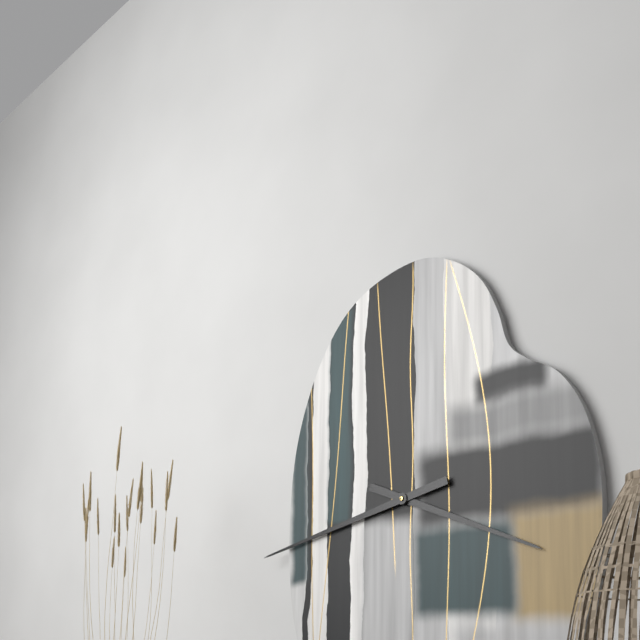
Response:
3.43
